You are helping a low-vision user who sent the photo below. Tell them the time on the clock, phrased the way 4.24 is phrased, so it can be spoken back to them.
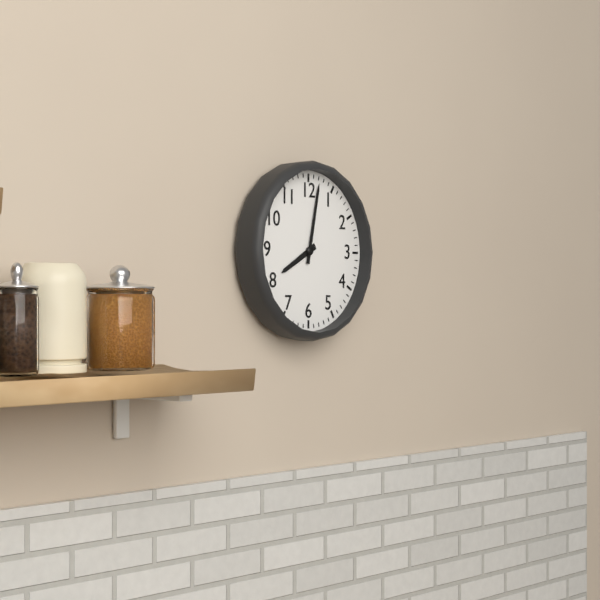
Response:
8.02
